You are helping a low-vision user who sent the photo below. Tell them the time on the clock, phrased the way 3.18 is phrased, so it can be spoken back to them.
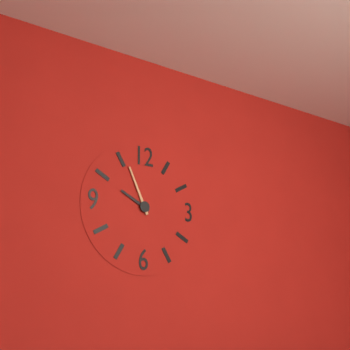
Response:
9.56
